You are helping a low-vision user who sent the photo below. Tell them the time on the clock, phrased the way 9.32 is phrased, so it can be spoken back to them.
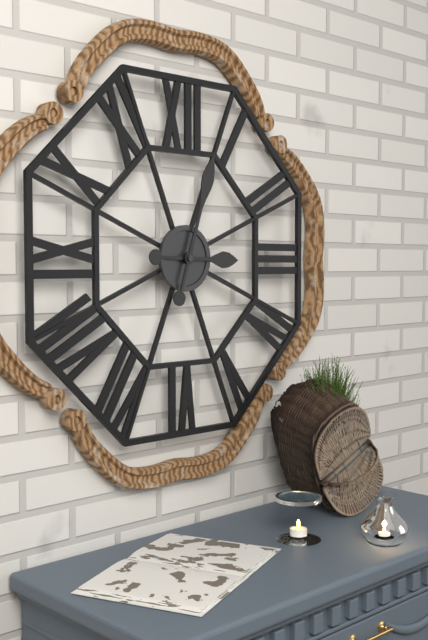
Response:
3.03
